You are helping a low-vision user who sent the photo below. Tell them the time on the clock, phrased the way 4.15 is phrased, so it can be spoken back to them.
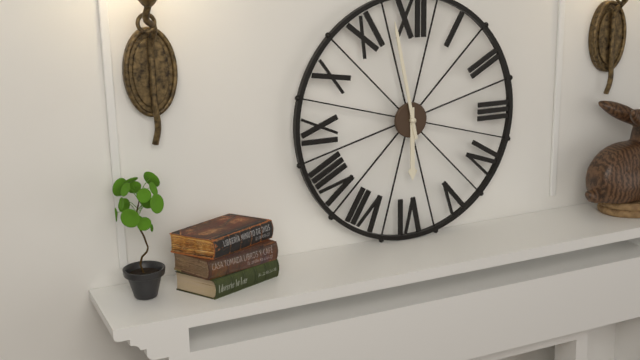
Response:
5.58
